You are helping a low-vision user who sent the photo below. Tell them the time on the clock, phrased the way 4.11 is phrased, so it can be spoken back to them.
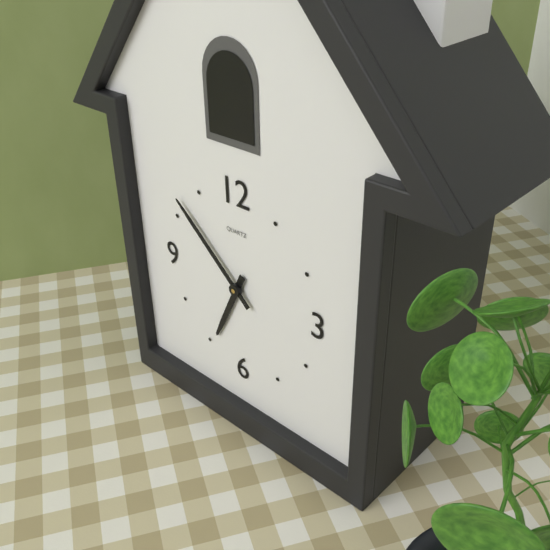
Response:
6.52
